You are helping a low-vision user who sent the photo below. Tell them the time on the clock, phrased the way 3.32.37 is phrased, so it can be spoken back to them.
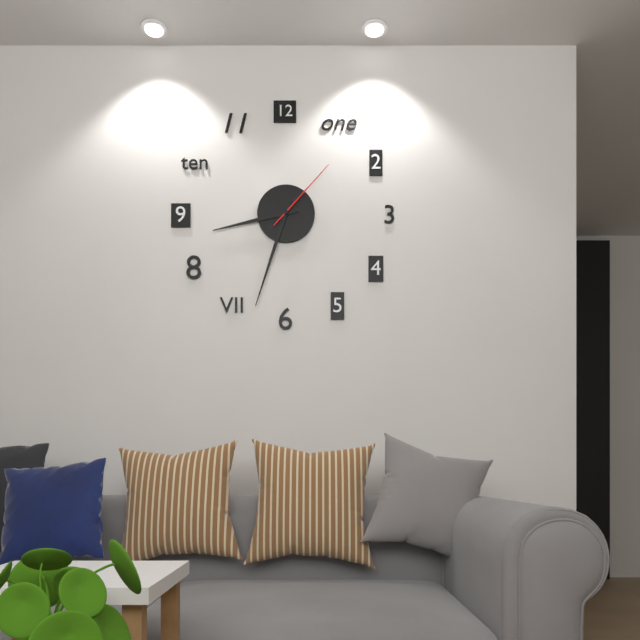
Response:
8.33.07
